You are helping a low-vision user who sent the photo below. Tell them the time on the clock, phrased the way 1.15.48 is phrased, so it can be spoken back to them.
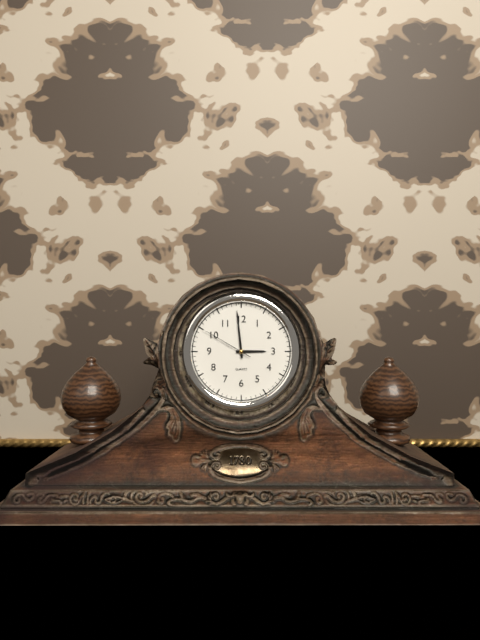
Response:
2.59.50
